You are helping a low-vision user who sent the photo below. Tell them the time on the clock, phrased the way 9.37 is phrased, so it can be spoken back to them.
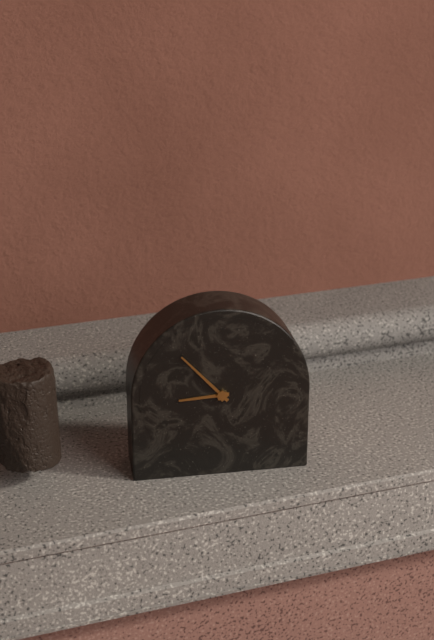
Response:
8.53
